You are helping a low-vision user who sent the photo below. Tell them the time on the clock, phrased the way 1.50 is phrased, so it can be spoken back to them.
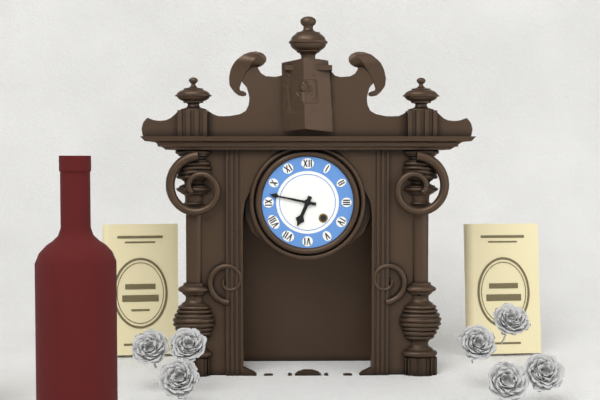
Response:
6.47
